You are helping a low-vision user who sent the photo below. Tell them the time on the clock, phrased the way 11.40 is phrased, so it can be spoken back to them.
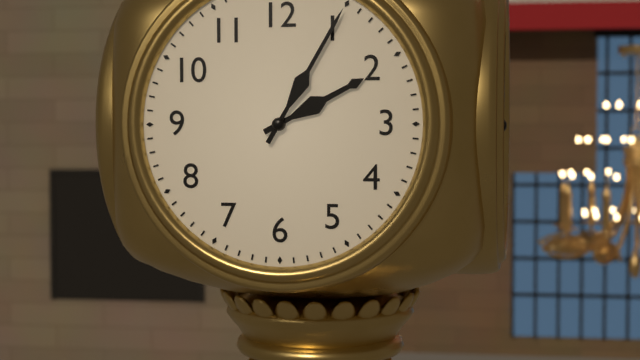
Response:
2.05
